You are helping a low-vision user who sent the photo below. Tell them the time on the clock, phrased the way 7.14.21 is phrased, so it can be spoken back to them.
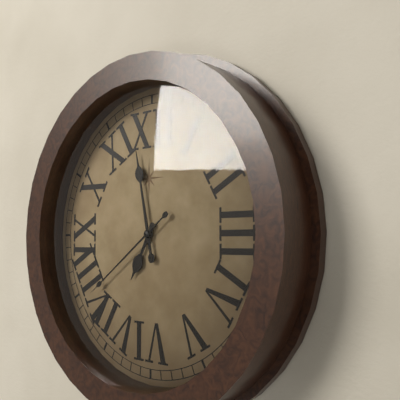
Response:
6.58.39
